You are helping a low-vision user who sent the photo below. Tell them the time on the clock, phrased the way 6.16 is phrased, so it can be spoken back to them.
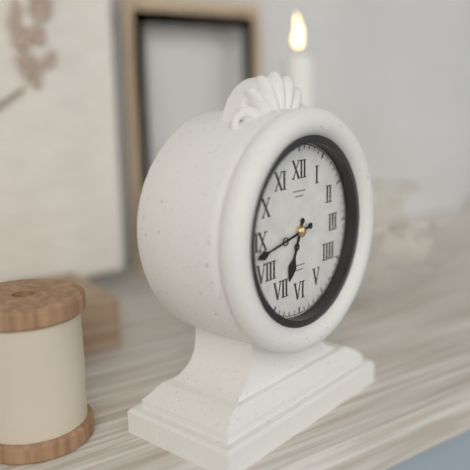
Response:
6.43
